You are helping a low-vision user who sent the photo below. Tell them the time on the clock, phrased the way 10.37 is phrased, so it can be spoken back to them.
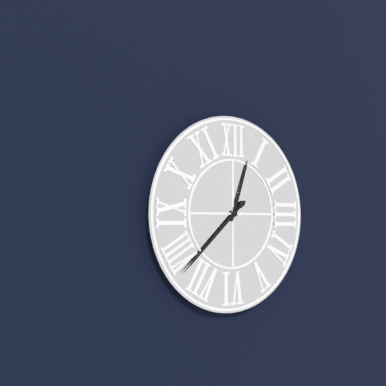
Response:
12.38
